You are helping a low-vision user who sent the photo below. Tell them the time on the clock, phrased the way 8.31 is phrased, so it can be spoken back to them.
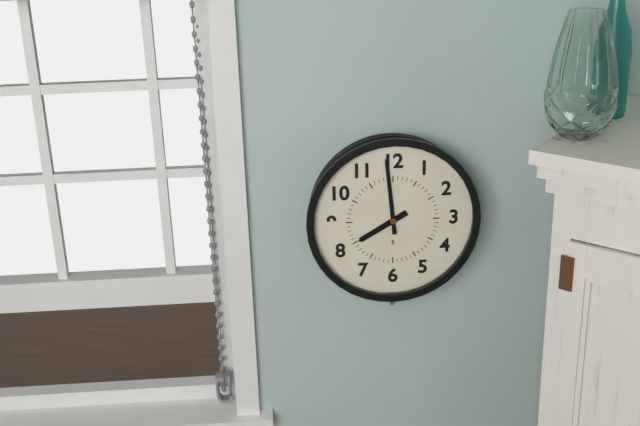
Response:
7.59
